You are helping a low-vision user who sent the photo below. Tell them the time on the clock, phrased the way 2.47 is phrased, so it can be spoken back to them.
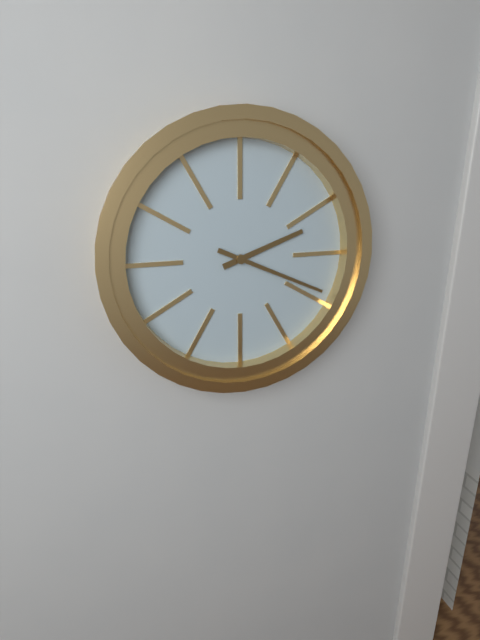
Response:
2.19
